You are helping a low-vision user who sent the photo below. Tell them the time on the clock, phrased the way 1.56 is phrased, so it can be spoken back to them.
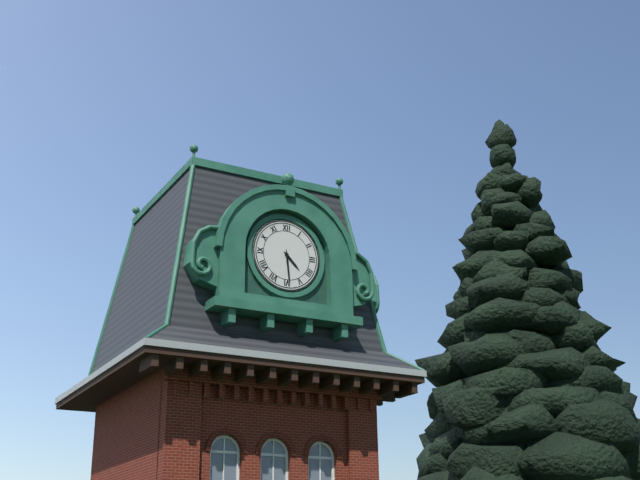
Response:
4.29
